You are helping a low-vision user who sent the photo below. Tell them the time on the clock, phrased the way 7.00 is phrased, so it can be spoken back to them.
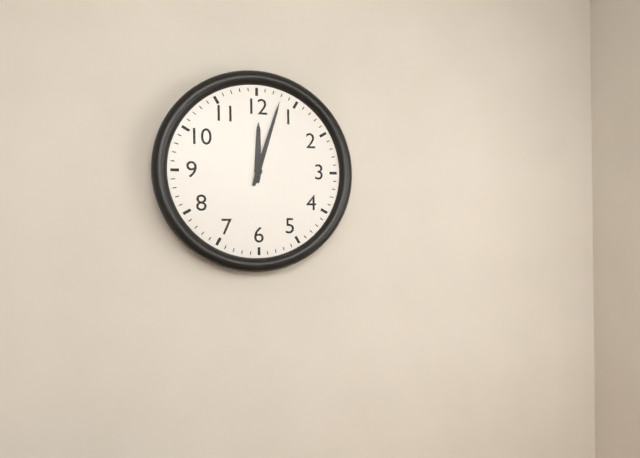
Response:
12.03
